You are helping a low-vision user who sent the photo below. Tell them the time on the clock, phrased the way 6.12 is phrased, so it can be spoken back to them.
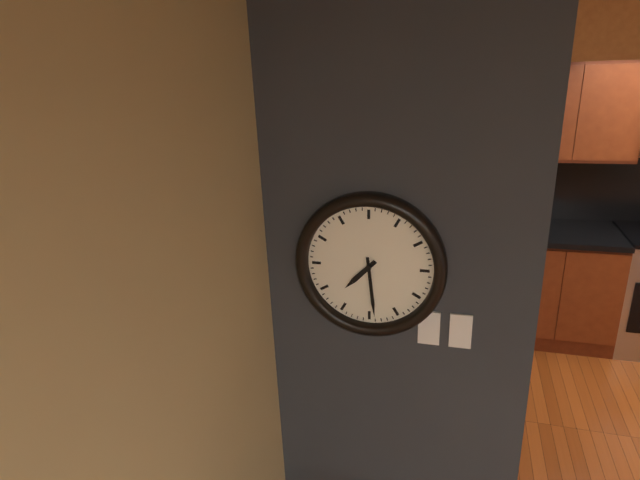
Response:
7.29
